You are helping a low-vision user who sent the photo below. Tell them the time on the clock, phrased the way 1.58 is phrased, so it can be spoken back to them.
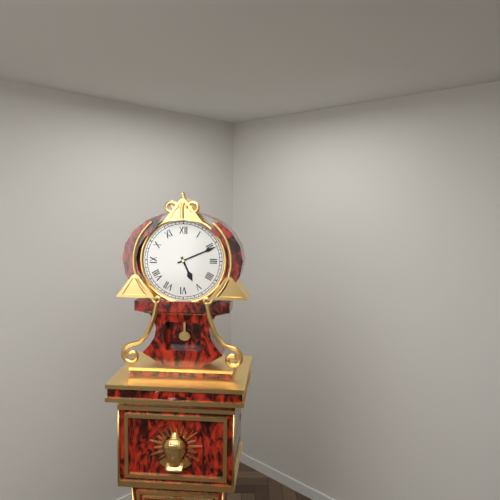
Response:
5.11
